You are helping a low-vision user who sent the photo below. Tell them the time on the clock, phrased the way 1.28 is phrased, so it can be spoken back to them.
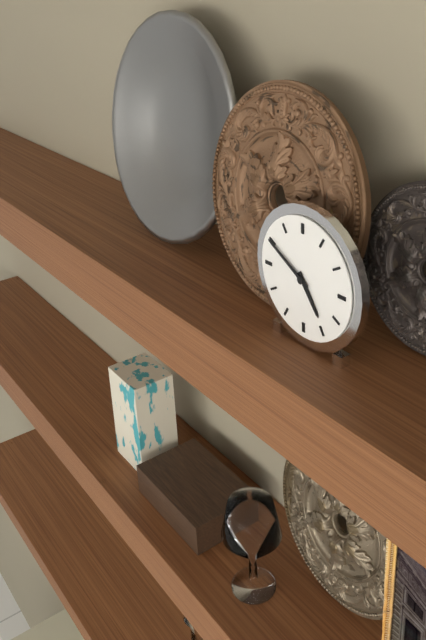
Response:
4.50
